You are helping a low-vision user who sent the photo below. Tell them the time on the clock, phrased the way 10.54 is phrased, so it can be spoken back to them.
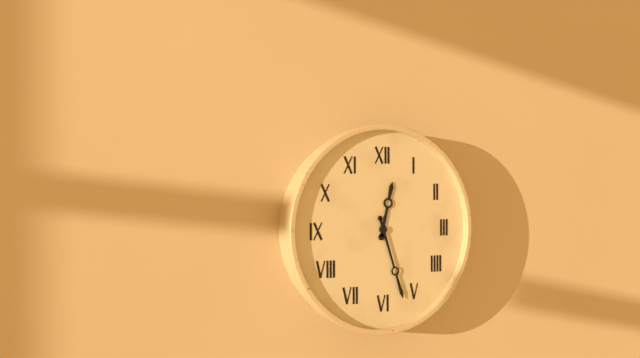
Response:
12.27
